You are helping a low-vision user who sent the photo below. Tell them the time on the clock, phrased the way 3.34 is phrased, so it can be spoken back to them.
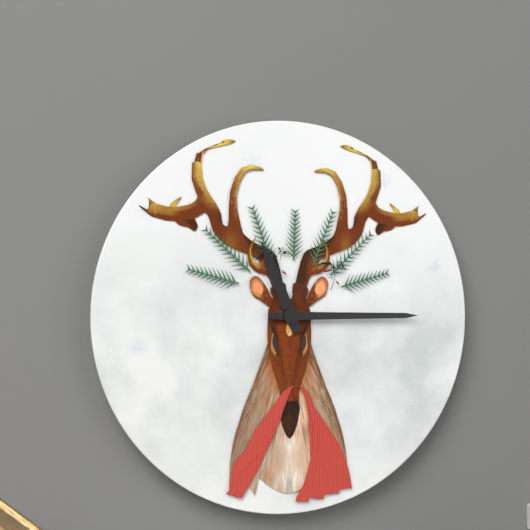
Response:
11.15
